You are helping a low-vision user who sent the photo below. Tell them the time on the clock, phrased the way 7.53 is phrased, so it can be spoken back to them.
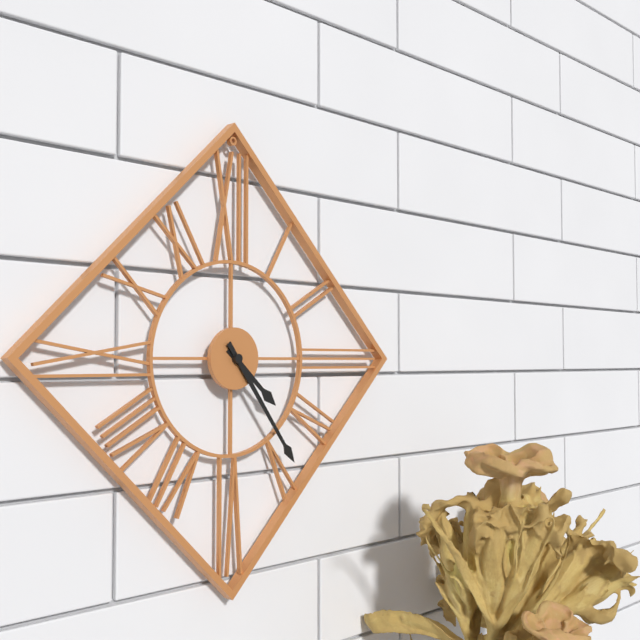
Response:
4.24
